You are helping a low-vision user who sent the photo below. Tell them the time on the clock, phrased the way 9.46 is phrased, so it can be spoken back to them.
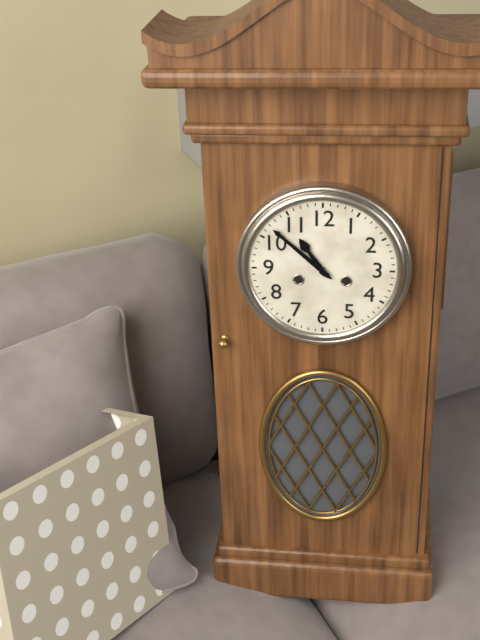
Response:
10.52
